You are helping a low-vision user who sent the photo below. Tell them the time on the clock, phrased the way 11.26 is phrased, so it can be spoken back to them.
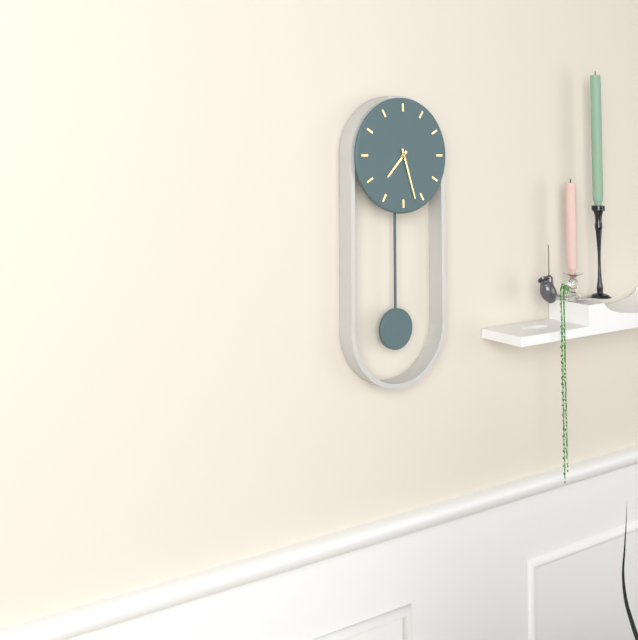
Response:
7.27
